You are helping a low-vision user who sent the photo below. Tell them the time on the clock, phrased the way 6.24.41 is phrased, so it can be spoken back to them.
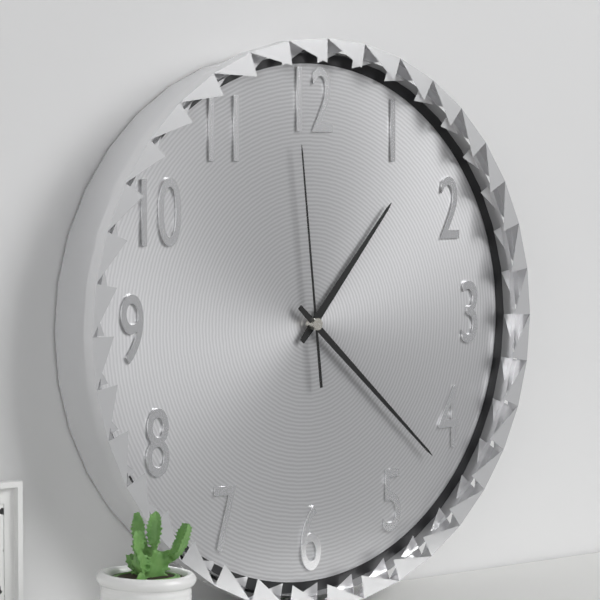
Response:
1.22.59
